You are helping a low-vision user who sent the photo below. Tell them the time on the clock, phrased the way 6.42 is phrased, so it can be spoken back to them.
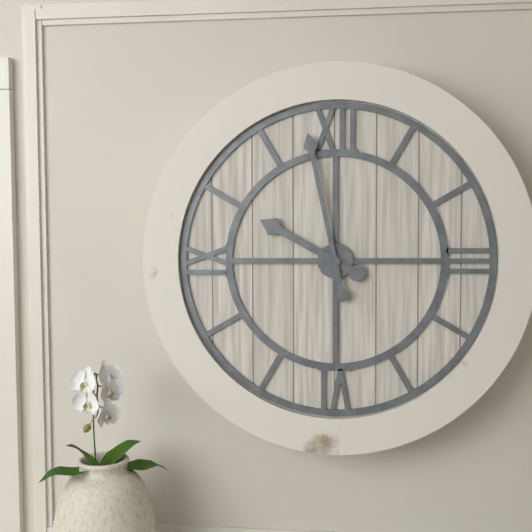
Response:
9.58
